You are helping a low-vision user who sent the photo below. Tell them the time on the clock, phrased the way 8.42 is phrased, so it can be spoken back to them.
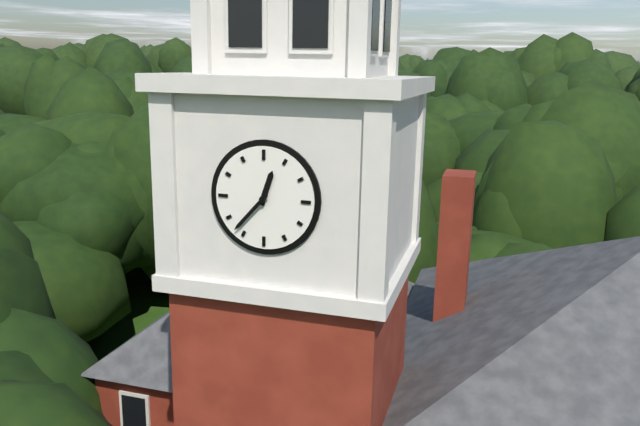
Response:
12.37
